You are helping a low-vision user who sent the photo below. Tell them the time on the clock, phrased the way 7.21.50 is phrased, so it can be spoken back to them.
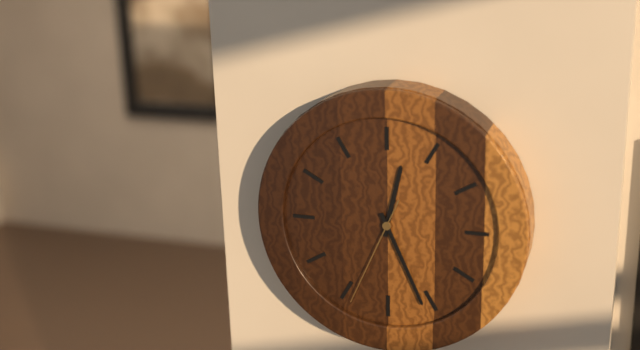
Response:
12.26.34
